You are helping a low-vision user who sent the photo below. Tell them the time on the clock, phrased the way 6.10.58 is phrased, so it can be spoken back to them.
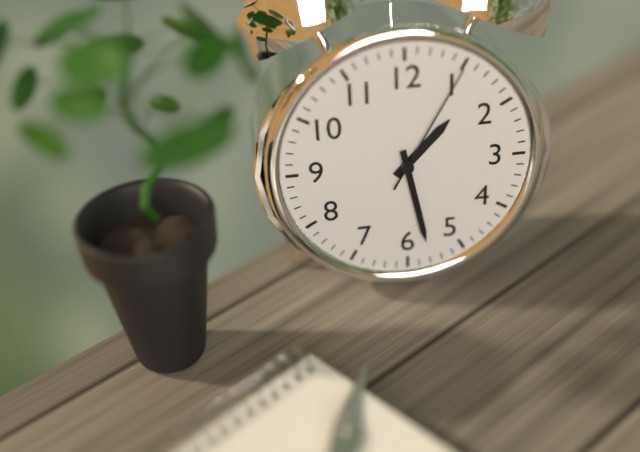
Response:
1.28.05
